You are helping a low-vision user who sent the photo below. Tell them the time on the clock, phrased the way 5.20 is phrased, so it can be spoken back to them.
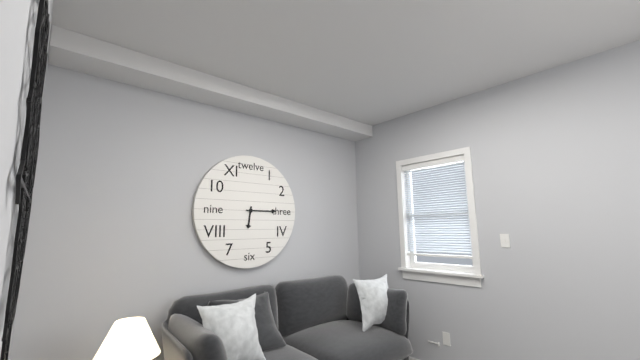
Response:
6.15
